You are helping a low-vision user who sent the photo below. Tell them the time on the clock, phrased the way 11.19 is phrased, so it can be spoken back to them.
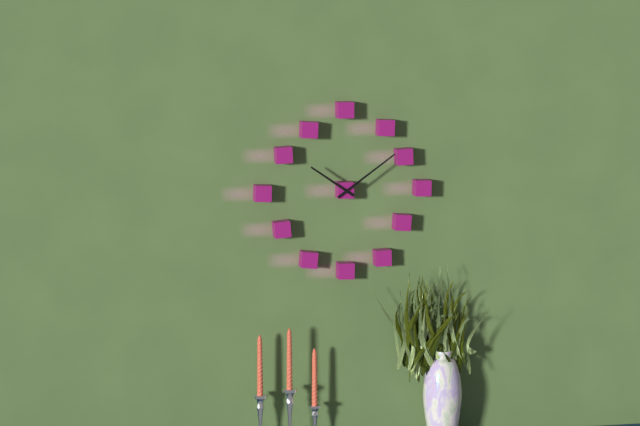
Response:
10.09
